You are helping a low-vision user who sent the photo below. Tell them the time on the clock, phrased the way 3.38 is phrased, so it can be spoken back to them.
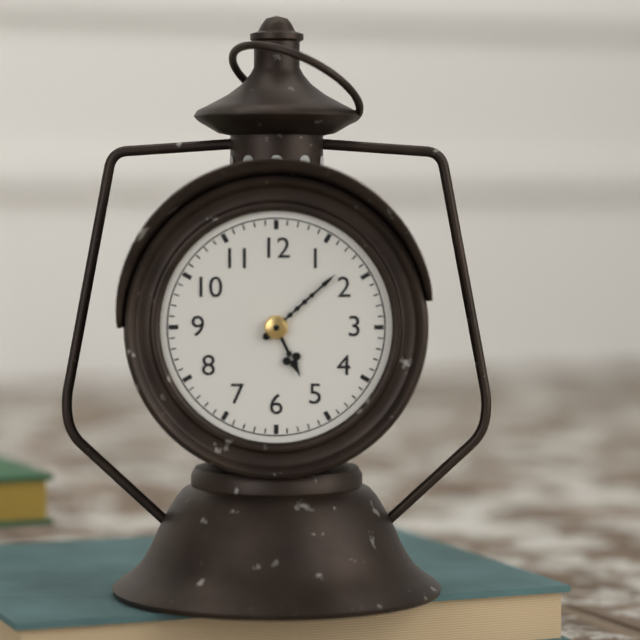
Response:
5.08
